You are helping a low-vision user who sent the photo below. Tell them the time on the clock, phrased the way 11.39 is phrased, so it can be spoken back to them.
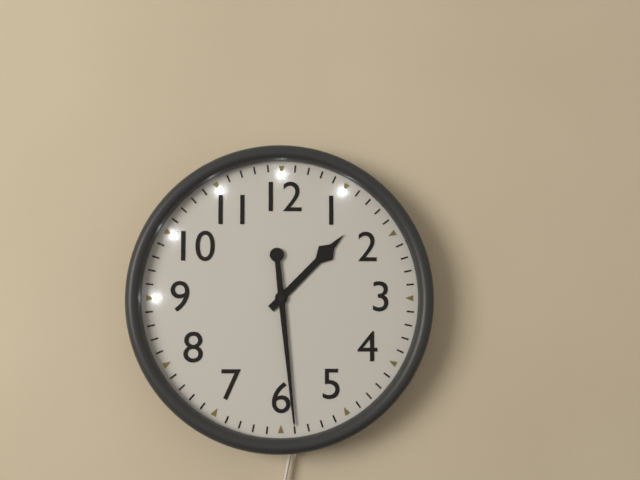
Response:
1.29
